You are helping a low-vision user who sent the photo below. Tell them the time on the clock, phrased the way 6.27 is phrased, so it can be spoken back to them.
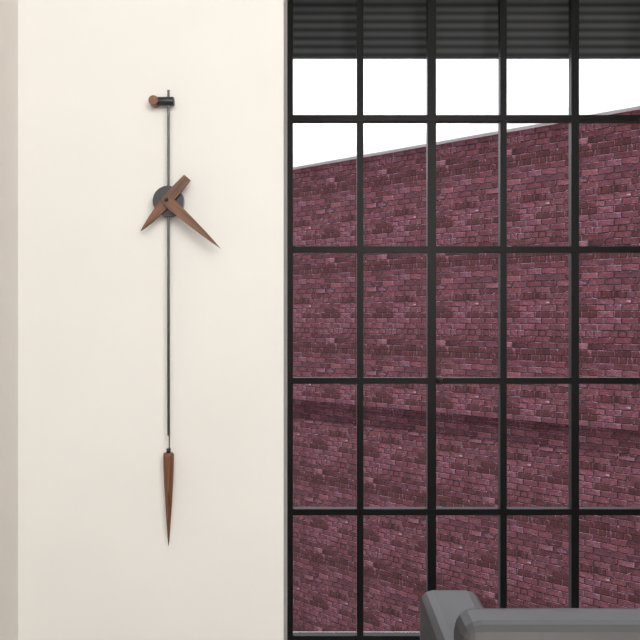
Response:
7.22
